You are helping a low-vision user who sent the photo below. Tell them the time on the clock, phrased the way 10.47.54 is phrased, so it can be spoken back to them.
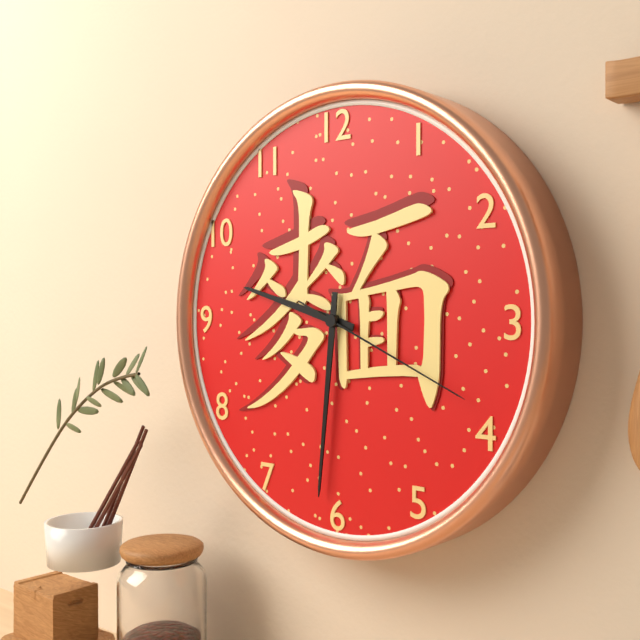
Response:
9.31.19
